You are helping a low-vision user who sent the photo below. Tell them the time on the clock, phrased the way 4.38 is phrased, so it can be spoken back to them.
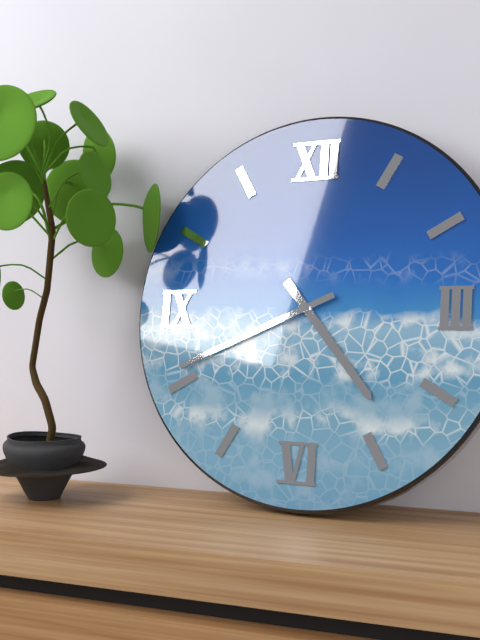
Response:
4.41
